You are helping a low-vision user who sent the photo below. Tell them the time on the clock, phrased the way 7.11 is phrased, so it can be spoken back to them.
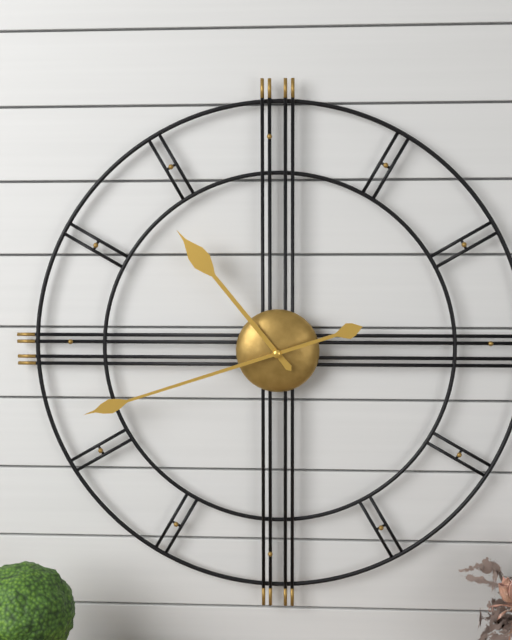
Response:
10.42
